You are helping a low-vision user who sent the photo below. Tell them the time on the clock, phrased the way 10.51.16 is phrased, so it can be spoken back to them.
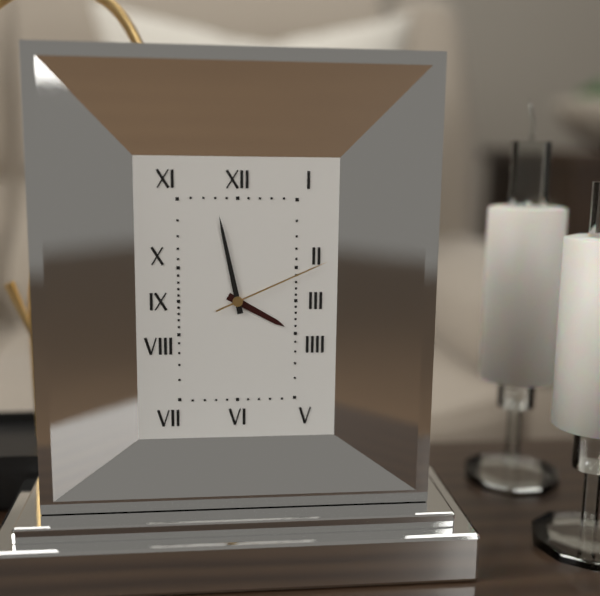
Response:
3.58.11
